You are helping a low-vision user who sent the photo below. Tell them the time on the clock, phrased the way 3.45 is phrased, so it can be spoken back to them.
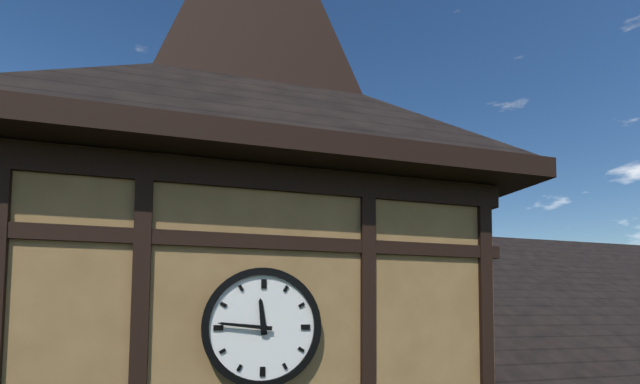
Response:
11.46
